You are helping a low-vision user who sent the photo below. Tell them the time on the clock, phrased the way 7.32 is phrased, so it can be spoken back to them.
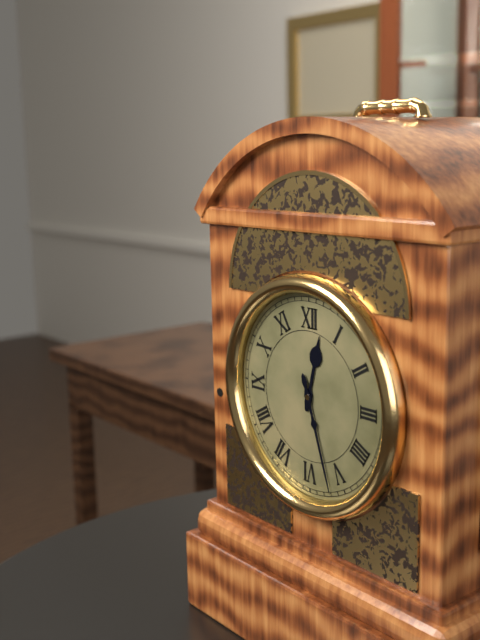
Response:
12.27
